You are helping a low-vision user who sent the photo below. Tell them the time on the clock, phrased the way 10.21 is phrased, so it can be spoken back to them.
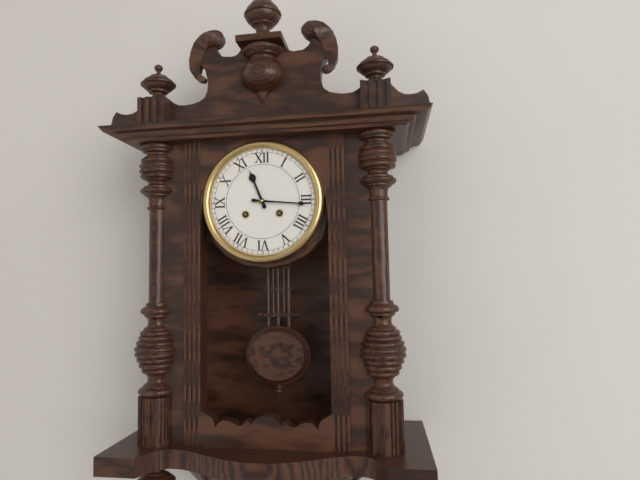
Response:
11.16
